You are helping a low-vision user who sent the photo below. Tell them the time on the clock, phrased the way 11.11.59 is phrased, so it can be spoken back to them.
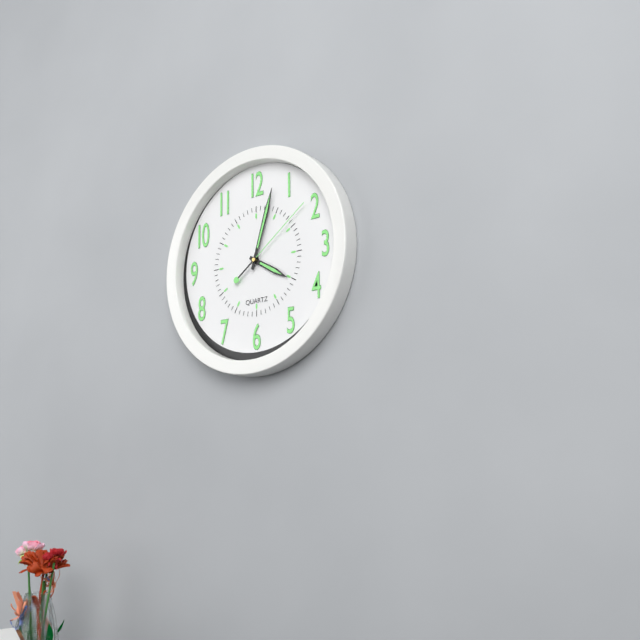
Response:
4.03.09
